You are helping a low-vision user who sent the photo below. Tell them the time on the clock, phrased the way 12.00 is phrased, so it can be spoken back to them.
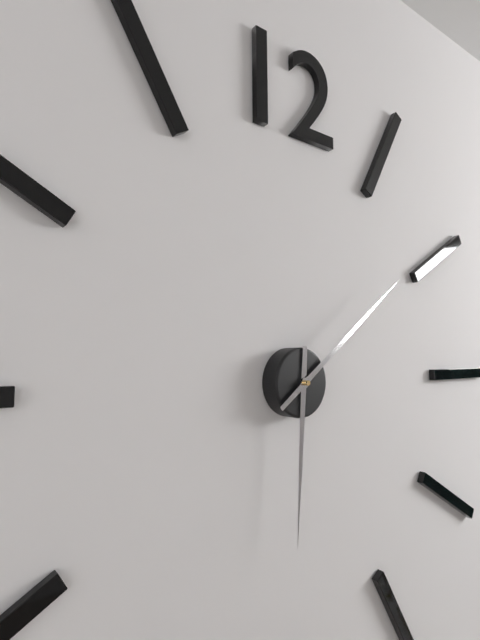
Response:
6.09
